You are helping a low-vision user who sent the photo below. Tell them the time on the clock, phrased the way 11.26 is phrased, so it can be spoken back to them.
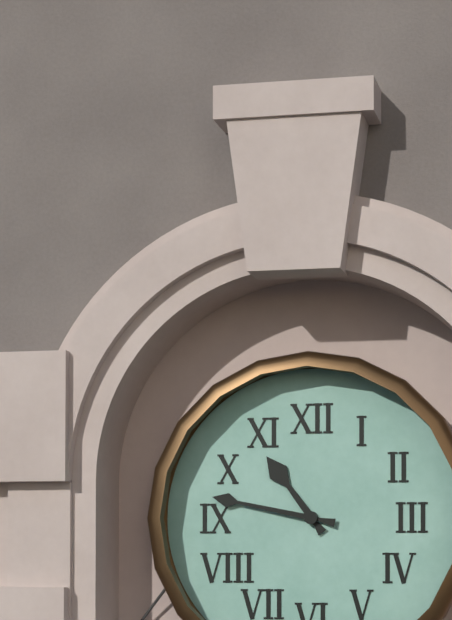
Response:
10.47
